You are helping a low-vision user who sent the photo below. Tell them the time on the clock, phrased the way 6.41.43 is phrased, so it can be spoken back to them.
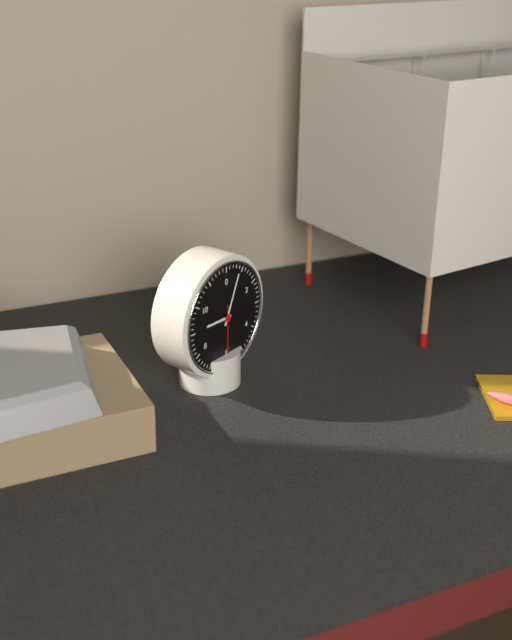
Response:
9.04.30
